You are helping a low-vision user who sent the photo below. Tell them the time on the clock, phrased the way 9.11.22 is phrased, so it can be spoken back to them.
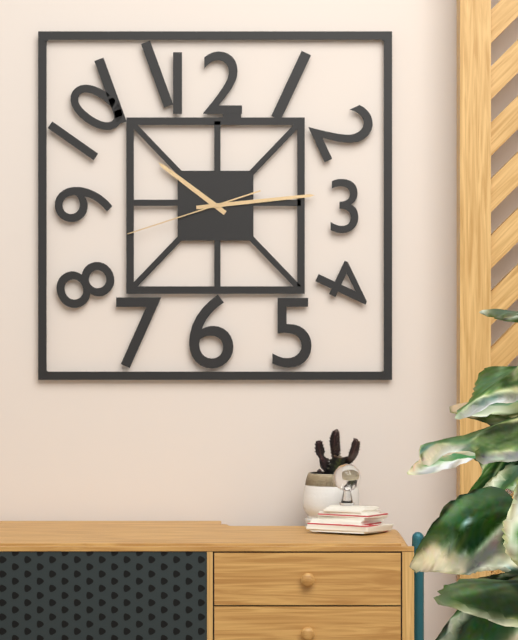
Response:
10.14.42
